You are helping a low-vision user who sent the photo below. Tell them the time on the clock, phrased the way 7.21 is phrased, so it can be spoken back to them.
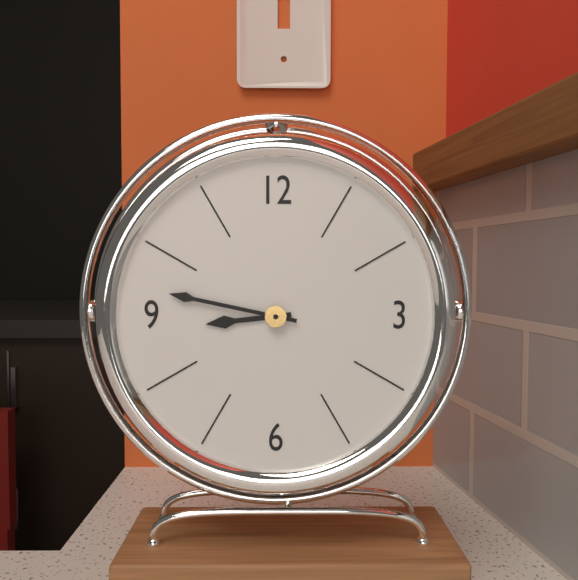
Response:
8.47
